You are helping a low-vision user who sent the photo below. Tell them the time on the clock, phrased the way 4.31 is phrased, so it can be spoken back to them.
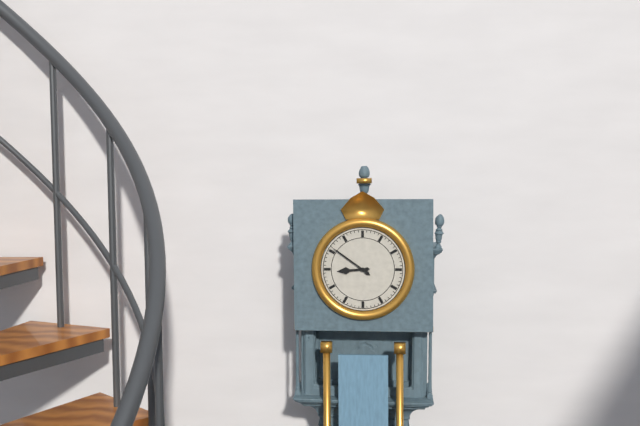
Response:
8.51
